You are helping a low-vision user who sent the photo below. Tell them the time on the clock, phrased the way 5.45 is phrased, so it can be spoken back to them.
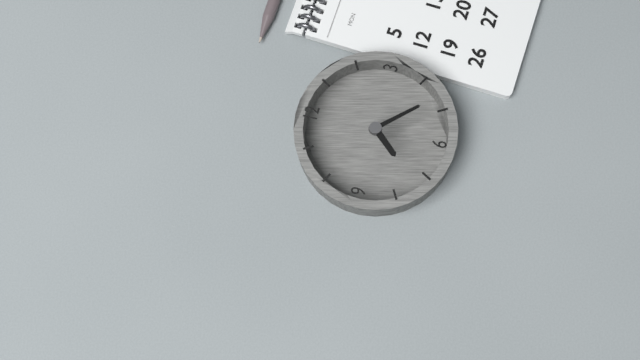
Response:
7.23
